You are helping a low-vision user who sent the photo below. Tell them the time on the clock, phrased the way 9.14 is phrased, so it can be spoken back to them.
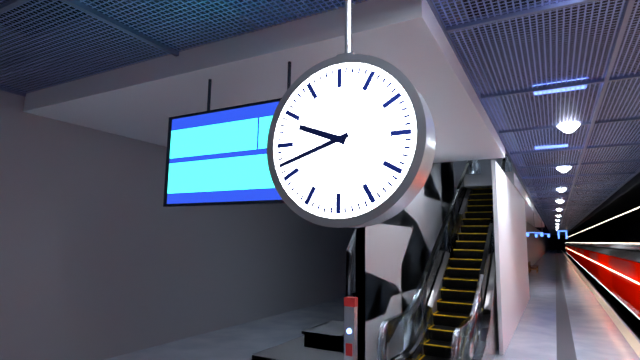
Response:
9.42
